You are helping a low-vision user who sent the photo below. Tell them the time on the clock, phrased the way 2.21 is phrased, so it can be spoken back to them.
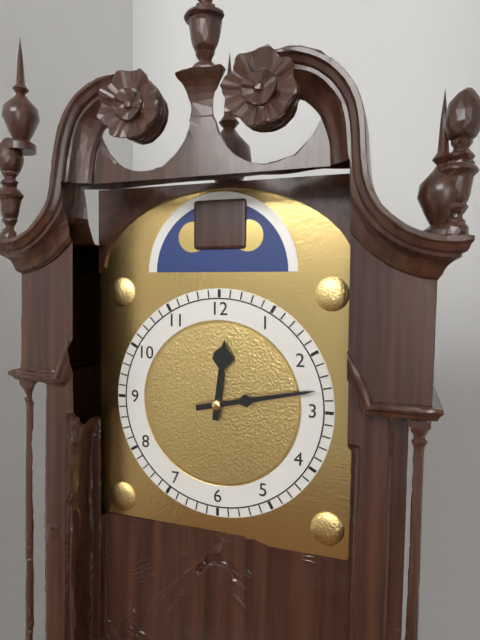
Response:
12.13
